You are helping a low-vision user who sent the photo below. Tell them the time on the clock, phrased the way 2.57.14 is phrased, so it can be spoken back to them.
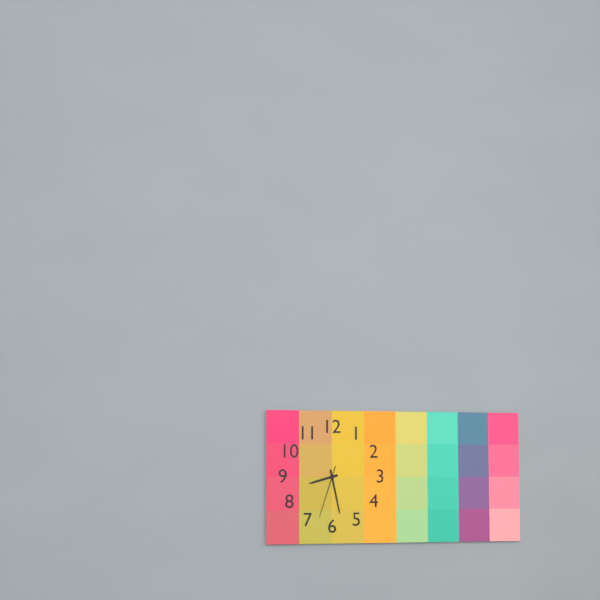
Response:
8.28.33
